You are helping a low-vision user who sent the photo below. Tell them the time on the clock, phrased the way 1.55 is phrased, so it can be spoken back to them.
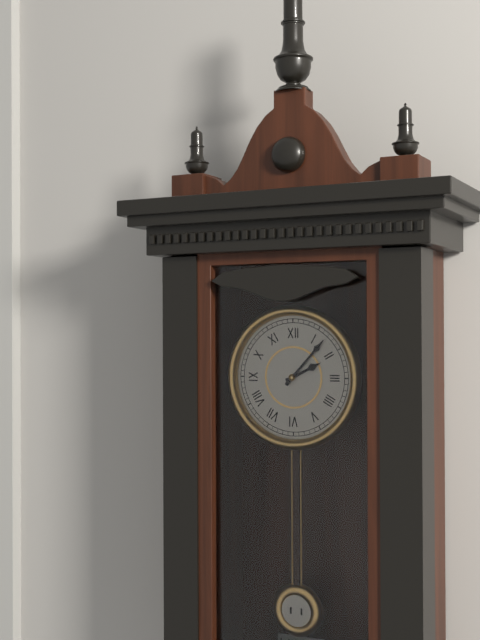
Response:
2.07
